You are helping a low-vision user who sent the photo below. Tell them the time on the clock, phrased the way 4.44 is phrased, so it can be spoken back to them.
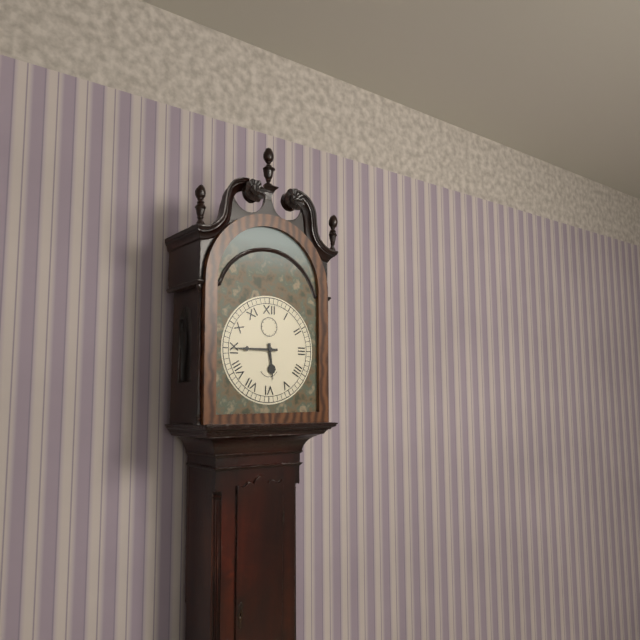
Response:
5.45
